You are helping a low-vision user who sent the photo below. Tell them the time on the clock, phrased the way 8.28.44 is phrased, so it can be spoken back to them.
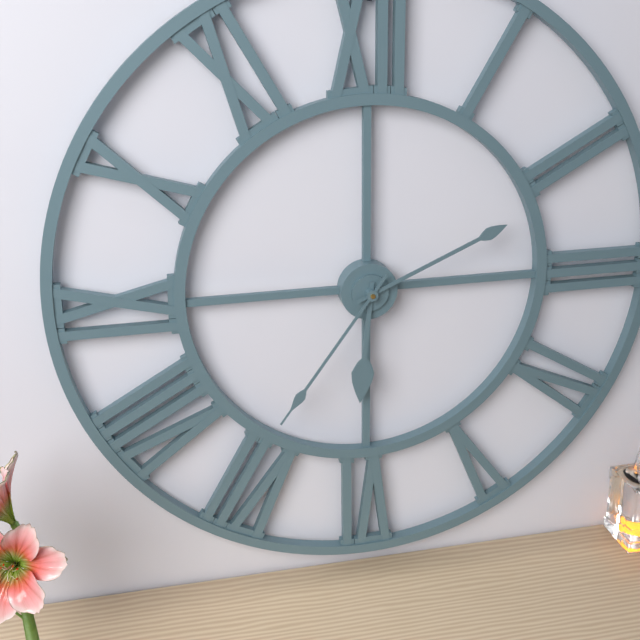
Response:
6.11.36
